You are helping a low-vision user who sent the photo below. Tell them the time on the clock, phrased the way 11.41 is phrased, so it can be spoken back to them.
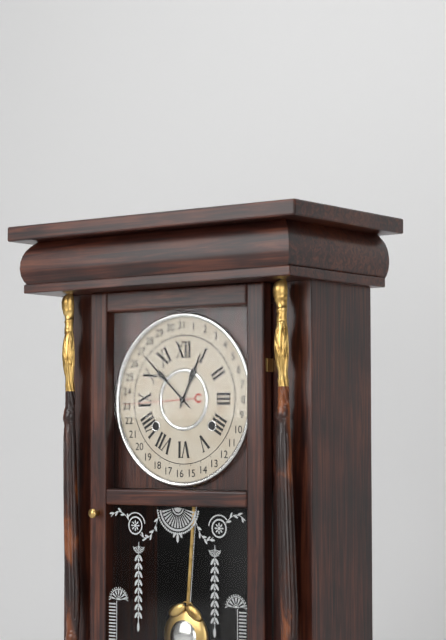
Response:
12.52
